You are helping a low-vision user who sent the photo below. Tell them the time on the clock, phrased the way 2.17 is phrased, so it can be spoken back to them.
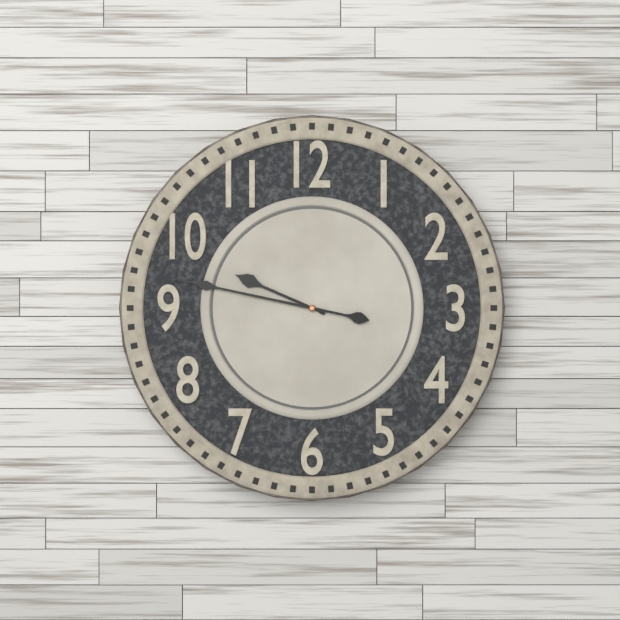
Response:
9.47
